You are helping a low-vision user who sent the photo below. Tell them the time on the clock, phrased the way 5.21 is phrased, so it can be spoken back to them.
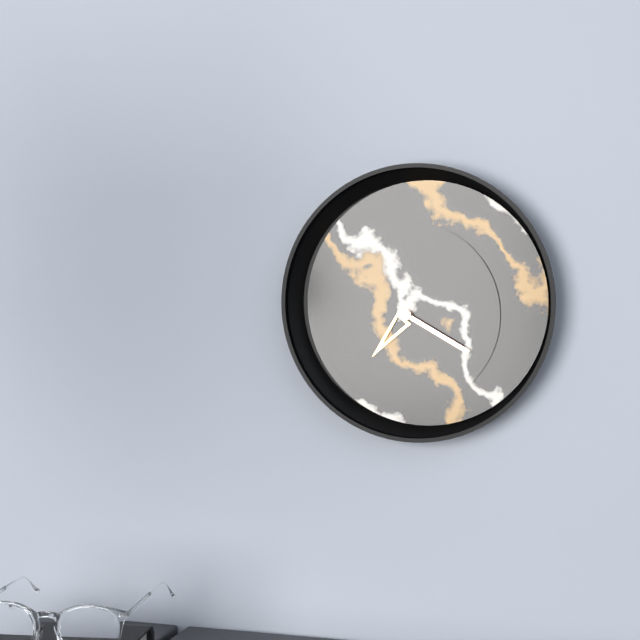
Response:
7.20
